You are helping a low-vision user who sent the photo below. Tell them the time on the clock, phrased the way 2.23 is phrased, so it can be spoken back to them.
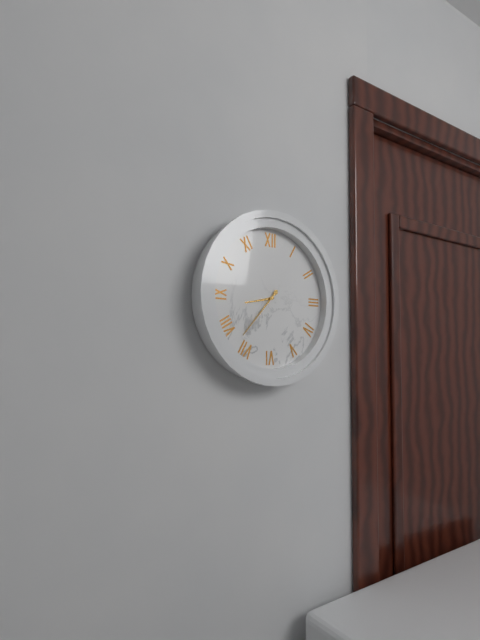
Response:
8.37
